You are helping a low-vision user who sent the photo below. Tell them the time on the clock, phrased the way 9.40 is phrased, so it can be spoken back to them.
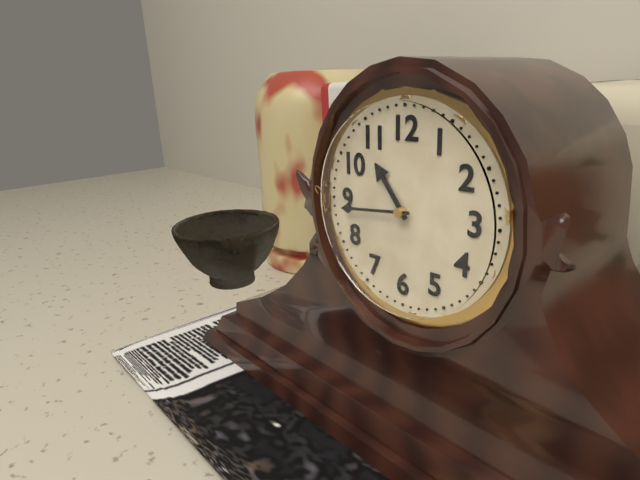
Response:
10.44
